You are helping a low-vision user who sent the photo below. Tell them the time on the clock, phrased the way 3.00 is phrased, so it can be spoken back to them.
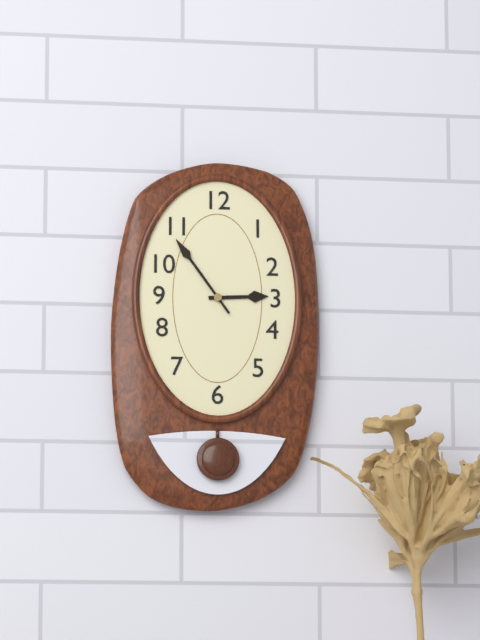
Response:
2.54
